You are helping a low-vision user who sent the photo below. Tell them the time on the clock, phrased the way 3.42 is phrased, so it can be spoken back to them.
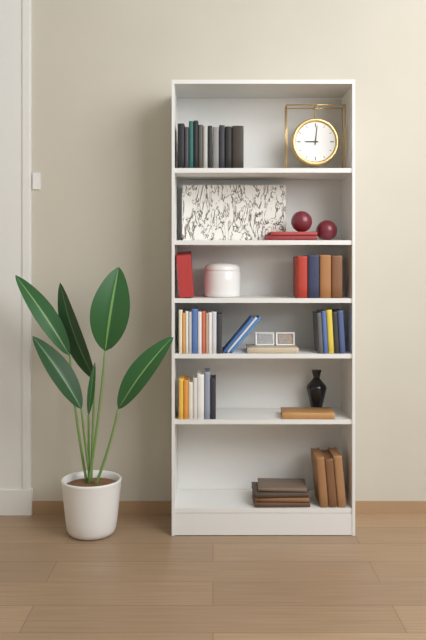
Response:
9.01
